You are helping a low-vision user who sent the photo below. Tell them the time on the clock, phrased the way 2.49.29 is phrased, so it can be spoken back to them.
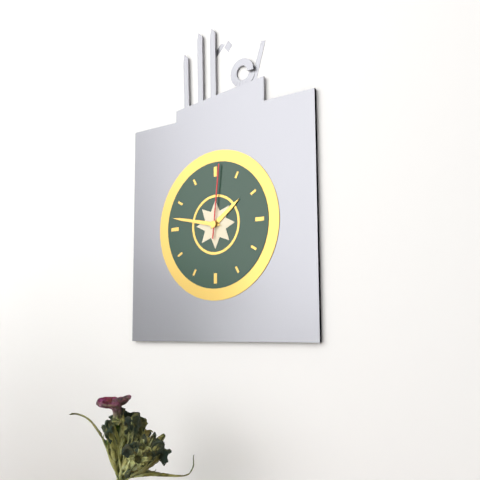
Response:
1.47.01
